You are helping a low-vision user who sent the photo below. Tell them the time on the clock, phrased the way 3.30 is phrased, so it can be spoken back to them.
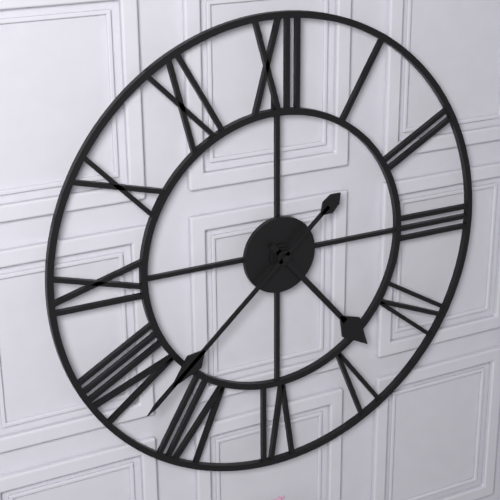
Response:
4.38
